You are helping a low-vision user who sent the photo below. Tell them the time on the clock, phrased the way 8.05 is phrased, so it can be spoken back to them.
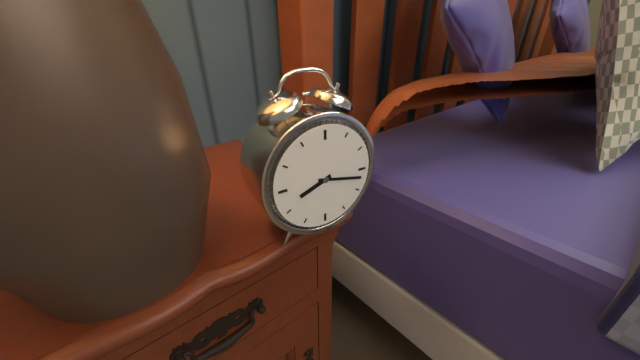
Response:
8.17
